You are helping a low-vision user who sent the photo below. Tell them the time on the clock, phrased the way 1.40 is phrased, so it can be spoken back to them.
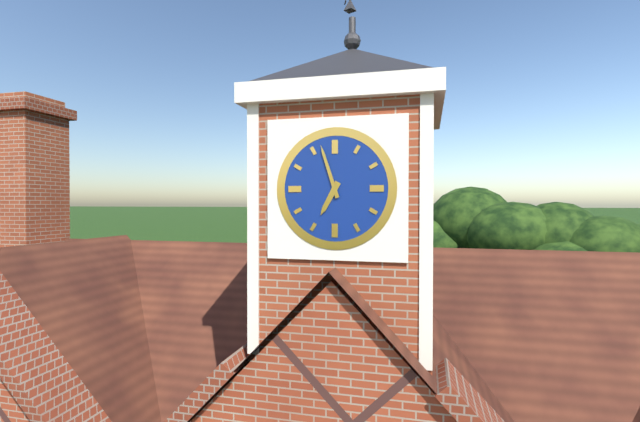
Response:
6.57
